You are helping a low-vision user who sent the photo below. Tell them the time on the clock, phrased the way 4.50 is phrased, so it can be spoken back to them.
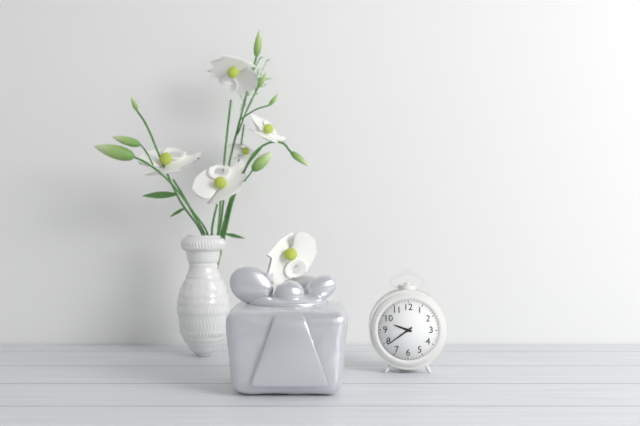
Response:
9.39
